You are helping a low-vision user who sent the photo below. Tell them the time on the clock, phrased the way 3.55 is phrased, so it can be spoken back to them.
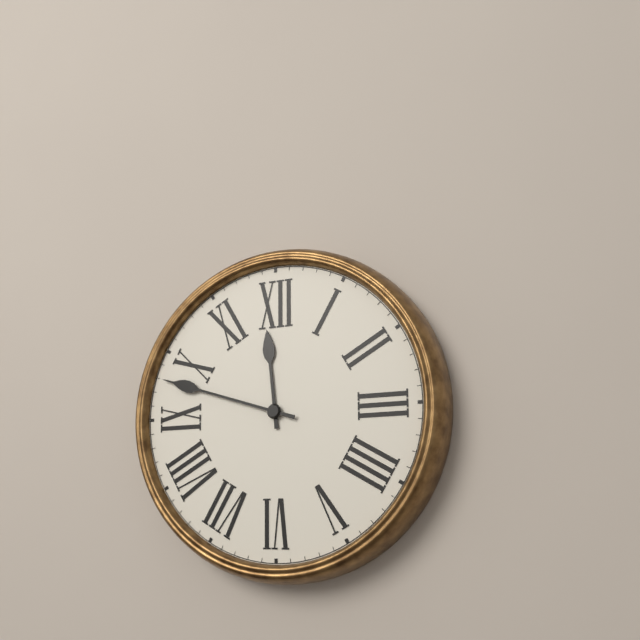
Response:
11.48
